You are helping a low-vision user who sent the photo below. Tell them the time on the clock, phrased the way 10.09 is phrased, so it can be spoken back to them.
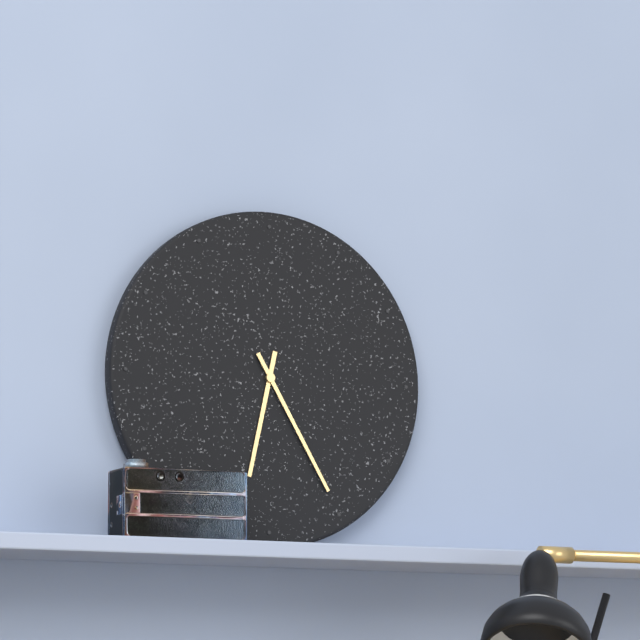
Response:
6.25
